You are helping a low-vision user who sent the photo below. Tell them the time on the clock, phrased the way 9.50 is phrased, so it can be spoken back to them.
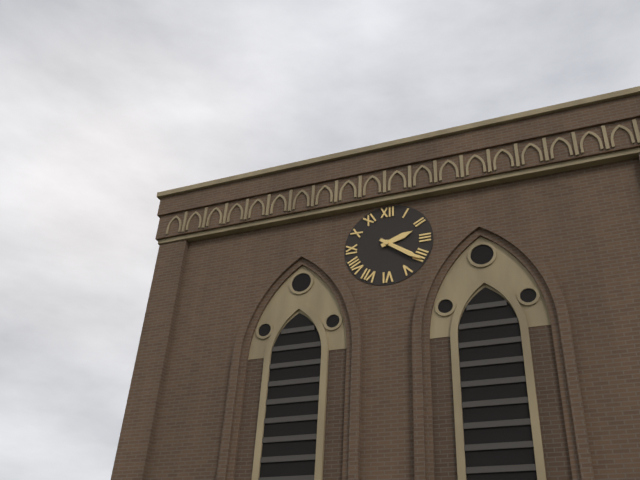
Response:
2.21
